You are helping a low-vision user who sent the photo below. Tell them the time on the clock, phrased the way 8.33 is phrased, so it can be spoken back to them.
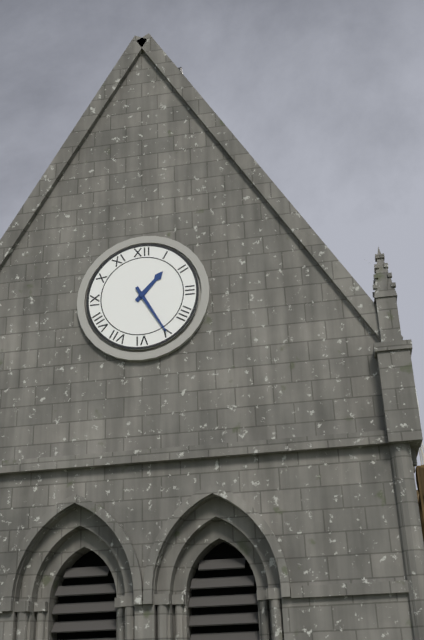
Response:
1.25
